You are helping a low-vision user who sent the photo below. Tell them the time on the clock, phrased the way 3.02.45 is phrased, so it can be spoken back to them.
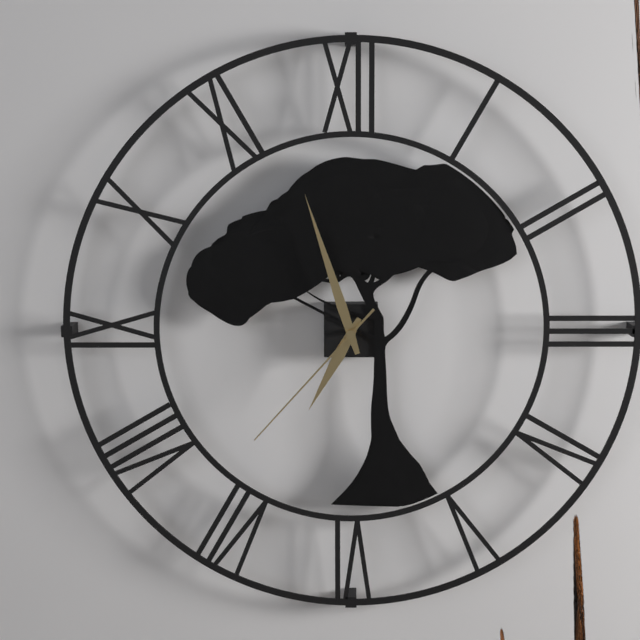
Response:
6.57.37
